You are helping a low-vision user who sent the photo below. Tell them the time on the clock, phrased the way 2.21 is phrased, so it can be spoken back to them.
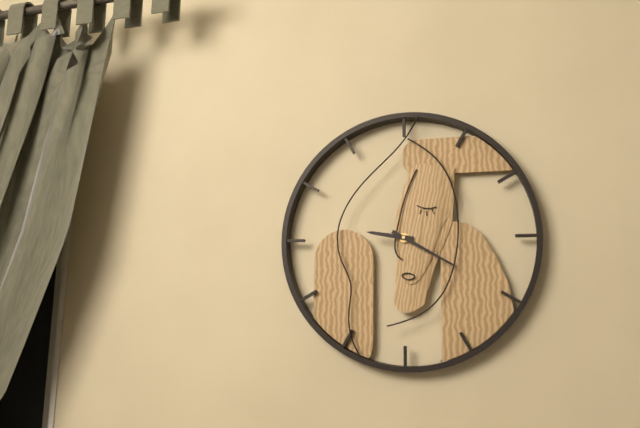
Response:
9.20
